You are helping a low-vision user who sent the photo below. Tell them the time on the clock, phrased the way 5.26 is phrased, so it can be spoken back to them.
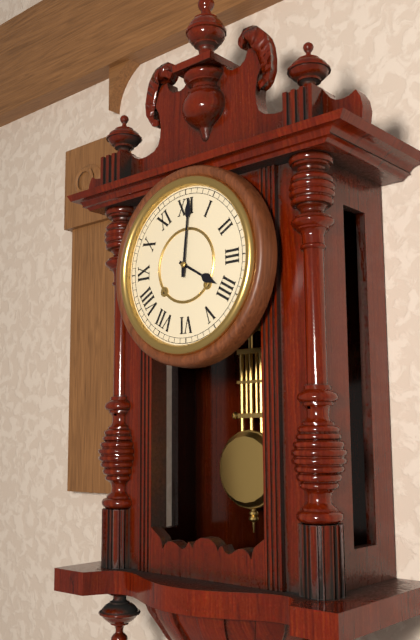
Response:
4.01
